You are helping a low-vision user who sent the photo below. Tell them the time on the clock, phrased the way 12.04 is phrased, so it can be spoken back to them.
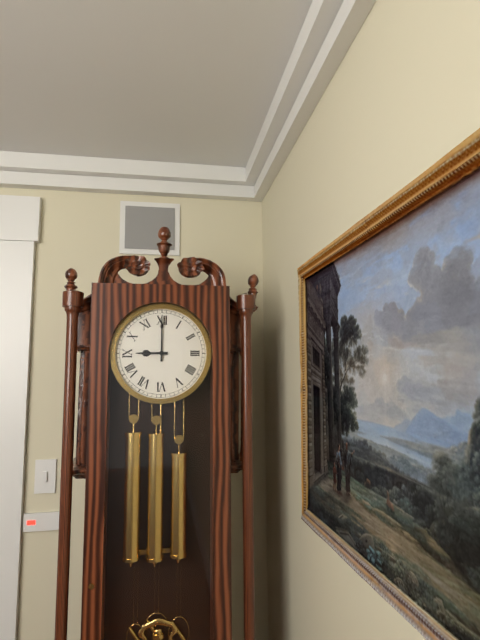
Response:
9.00
